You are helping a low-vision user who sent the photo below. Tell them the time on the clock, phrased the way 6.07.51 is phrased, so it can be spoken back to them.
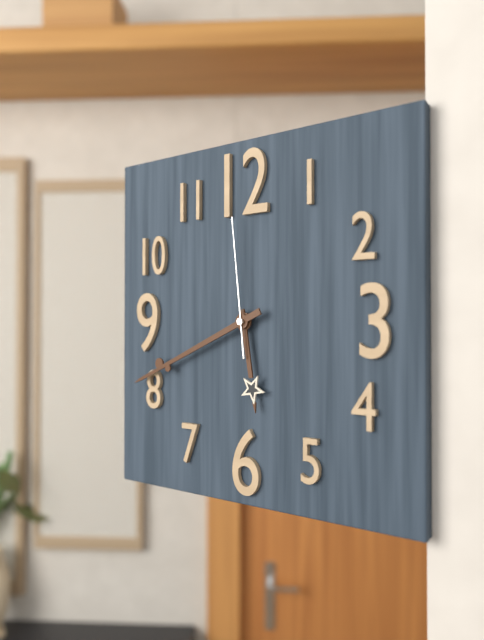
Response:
5.41.59
